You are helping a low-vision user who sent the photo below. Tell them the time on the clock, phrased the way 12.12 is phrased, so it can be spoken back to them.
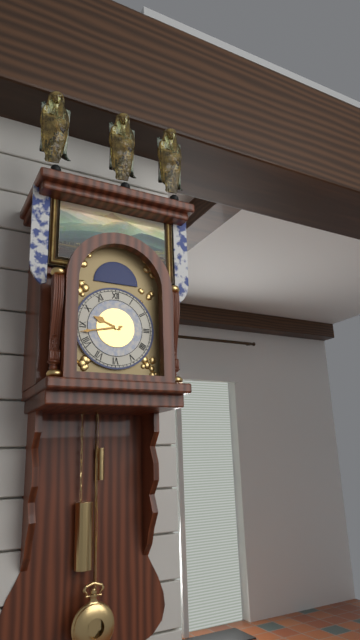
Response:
9.43
